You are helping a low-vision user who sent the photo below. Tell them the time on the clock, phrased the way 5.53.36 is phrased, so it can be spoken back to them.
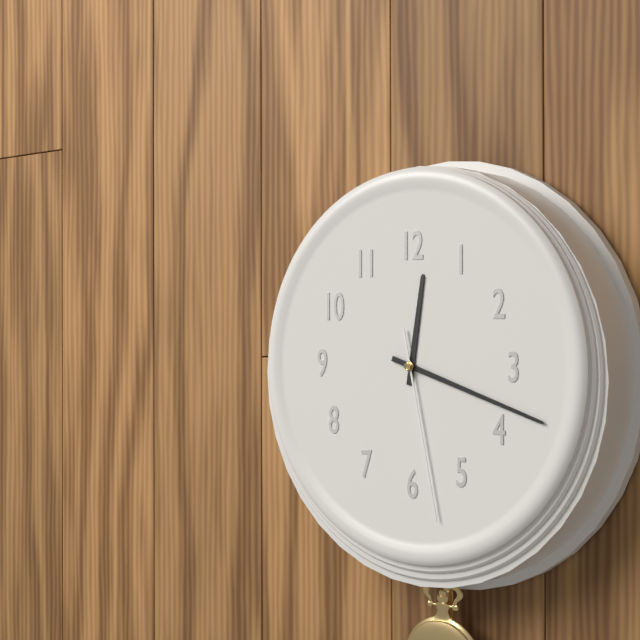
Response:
12.18.28
